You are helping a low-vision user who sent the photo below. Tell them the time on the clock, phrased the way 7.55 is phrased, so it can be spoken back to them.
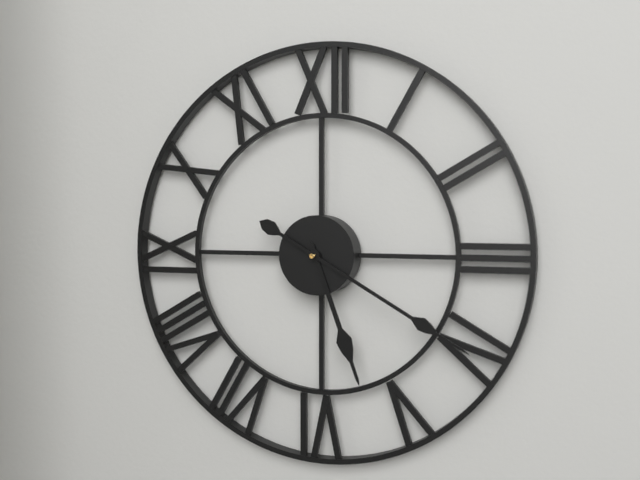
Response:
5.20
